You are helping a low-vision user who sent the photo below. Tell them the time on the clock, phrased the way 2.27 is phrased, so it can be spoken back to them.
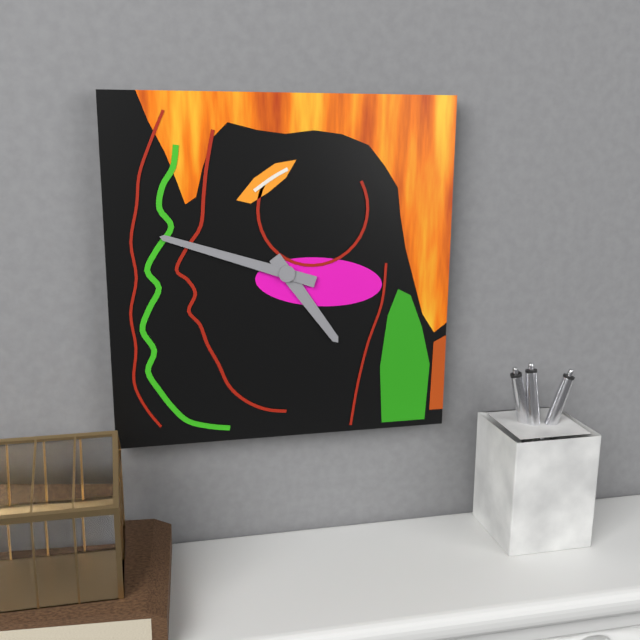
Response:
4.48
